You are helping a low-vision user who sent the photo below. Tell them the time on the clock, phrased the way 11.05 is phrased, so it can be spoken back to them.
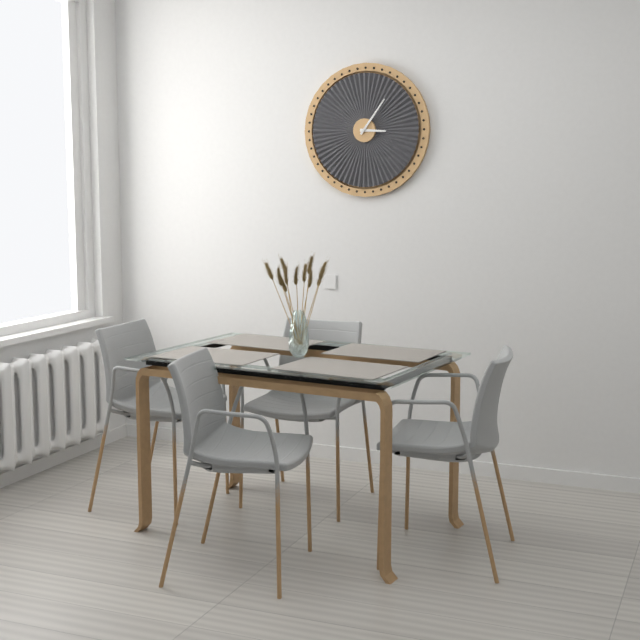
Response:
3.06
